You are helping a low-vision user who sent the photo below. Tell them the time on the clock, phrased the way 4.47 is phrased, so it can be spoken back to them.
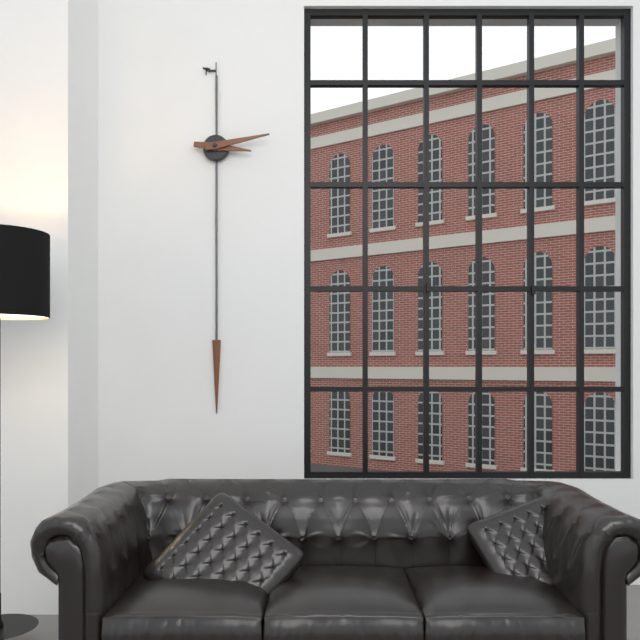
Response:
3.13
